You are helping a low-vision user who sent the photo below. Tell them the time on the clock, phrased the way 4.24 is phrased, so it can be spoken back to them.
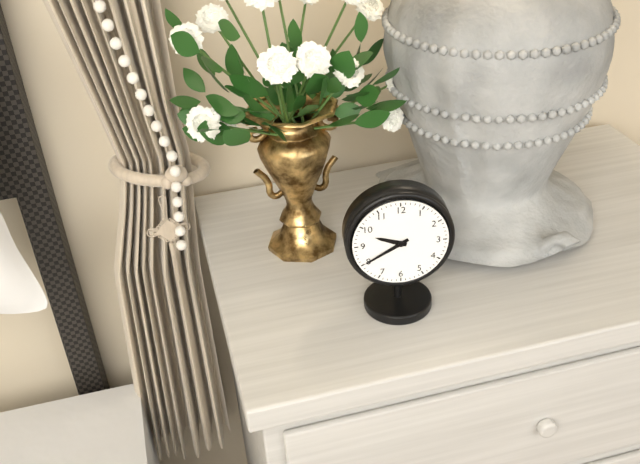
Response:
9.40
